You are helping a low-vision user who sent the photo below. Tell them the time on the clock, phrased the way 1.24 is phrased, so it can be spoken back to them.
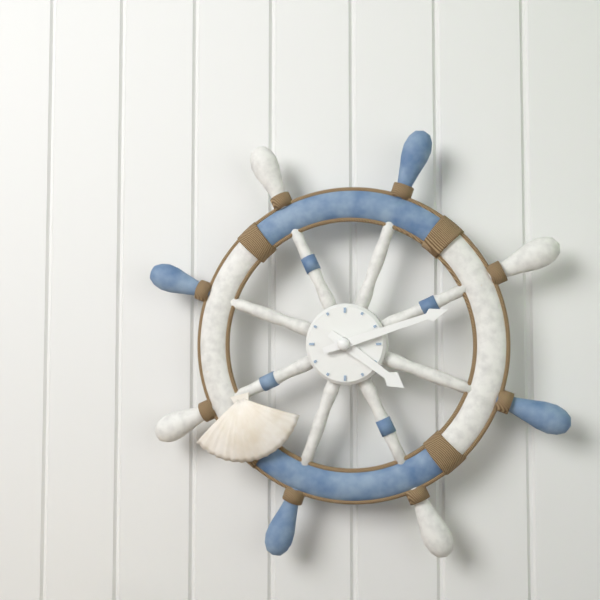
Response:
4.12
